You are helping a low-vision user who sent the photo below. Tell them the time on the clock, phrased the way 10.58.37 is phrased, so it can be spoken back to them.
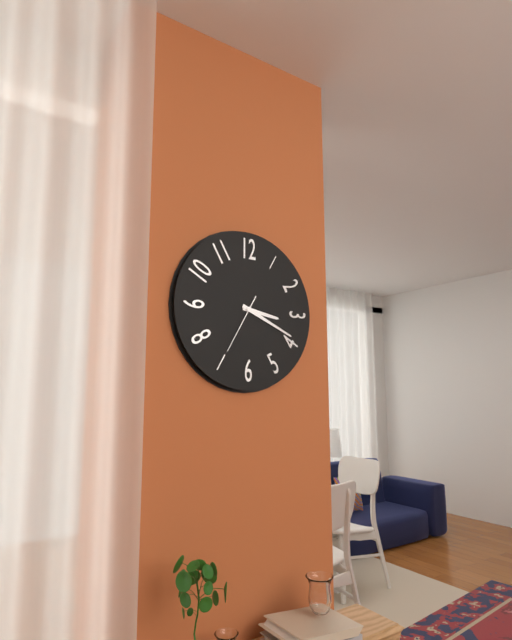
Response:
3.19.35
